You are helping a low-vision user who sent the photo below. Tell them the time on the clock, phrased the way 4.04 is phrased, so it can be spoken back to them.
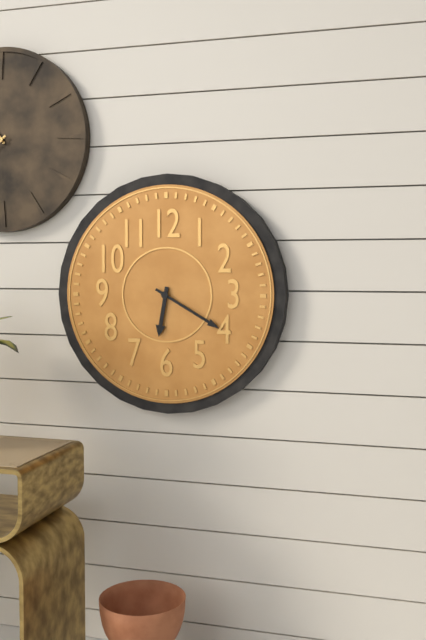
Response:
6.20
